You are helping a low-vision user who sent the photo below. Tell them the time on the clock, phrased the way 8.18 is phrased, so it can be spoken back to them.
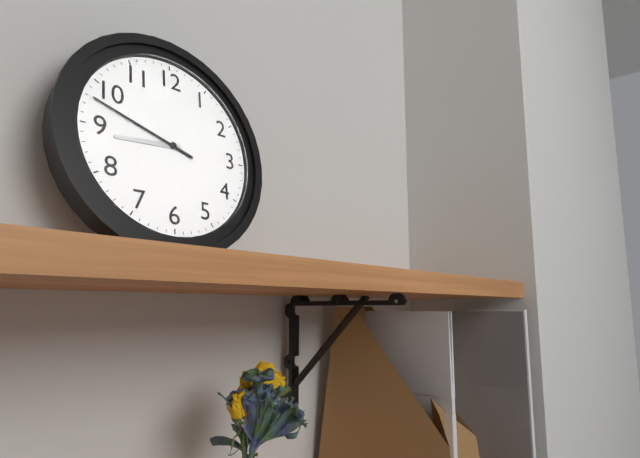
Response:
8.48
